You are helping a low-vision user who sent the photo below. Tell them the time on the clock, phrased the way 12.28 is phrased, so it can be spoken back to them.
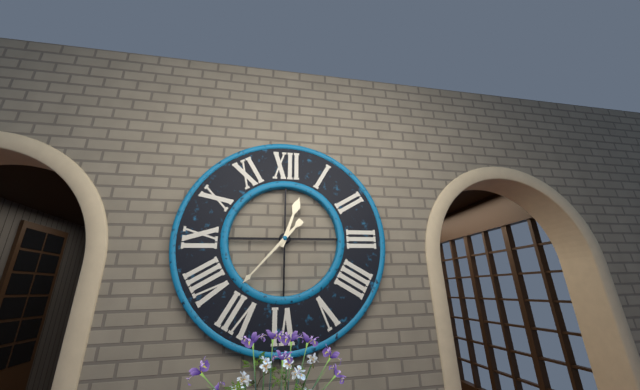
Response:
12.37
